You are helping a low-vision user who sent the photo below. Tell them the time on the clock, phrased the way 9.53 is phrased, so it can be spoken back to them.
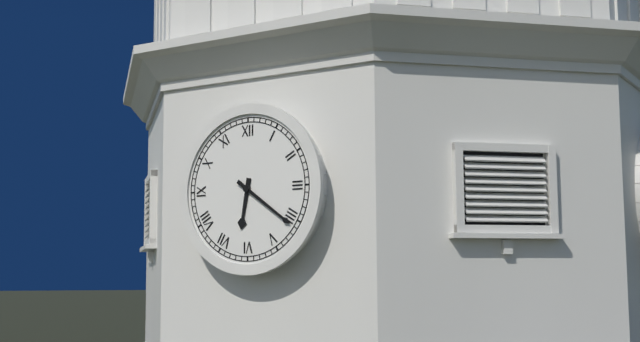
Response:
6.21
